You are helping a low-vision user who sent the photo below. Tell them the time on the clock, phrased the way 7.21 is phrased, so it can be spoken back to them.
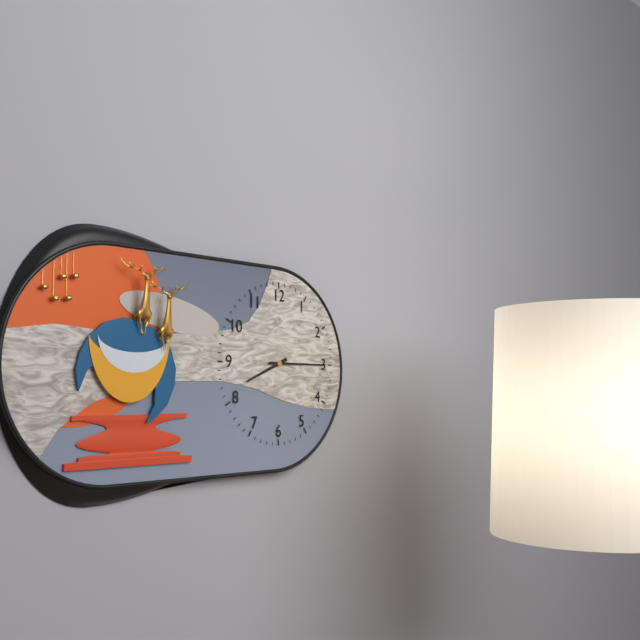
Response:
8.15
